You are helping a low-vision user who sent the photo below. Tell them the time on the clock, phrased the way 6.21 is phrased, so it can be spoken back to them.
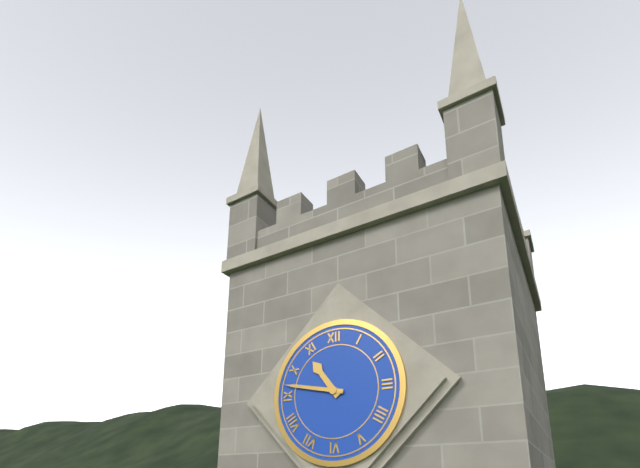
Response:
10.47
